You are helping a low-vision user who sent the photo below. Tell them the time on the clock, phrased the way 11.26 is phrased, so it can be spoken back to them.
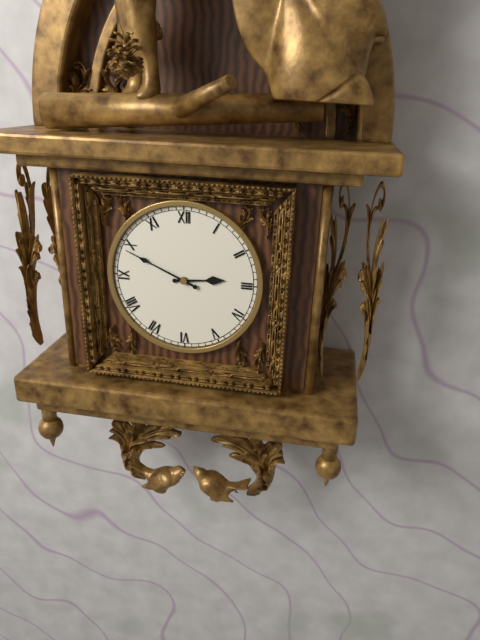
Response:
2.49
